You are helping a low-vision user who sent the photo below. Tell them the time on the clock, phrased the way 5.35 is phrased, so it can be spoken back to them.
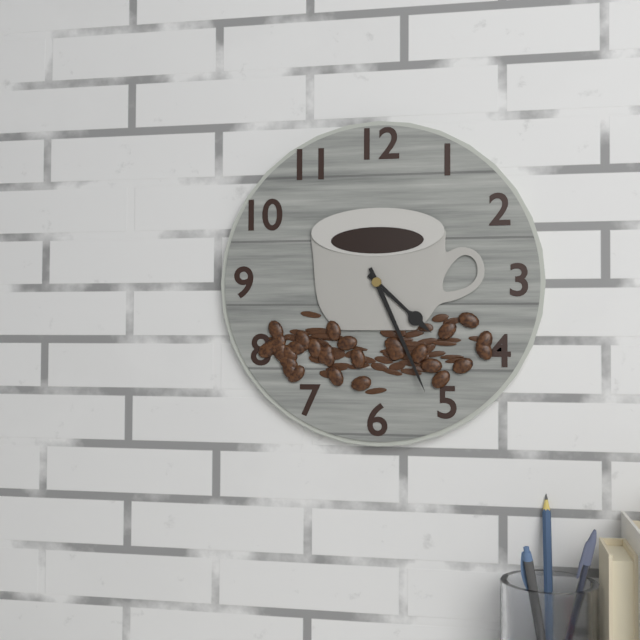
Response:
4.26
